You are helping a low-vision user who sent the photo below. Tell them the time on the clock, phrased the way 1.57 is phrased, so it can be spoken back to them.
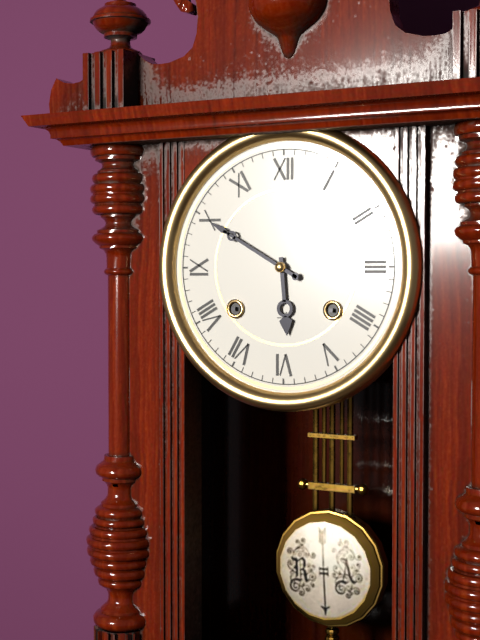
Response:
5.50
